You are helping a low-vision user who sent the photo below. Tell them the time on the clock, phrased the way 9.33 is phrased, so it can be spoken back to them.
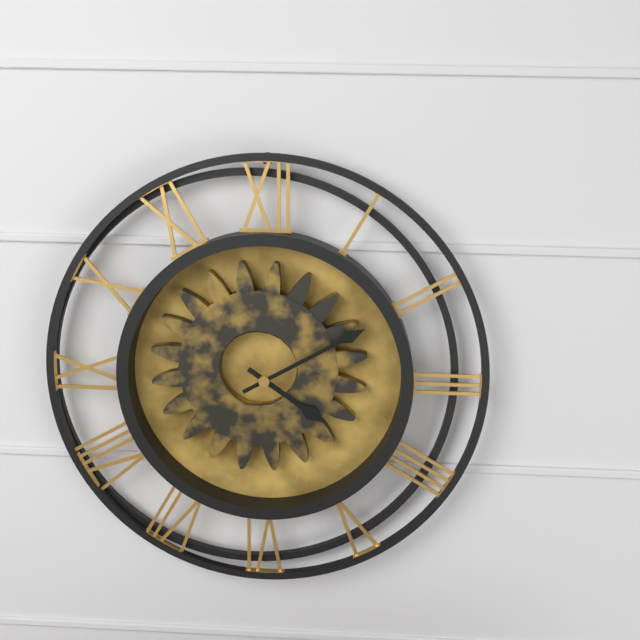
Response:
4.10
